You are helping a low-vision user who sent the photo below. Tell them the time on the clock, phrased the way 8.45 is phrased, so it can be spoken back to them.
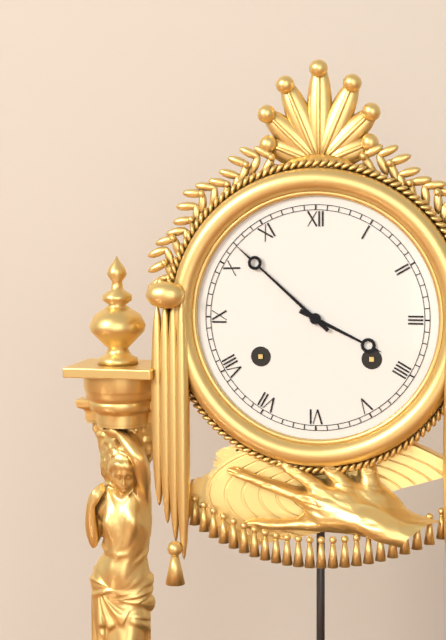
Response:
3.52
